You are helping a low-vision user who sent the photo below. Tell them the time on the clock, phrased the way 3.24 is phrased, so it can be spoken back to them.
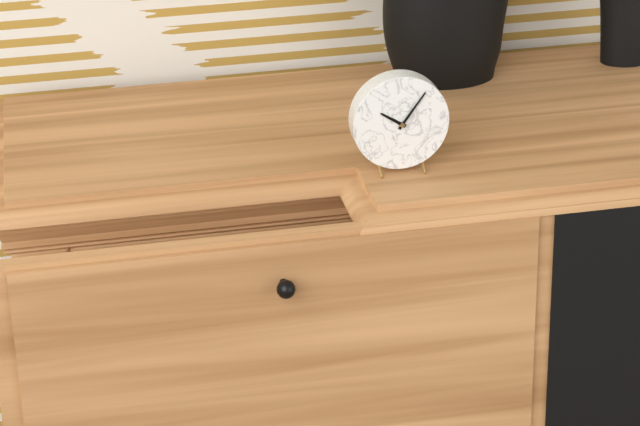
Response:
10.06
